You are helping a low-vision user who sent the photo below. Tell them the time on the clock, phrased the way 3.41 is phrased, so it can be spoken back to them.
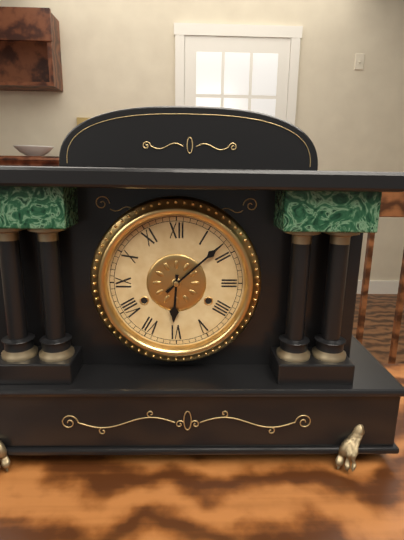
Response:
6.08
